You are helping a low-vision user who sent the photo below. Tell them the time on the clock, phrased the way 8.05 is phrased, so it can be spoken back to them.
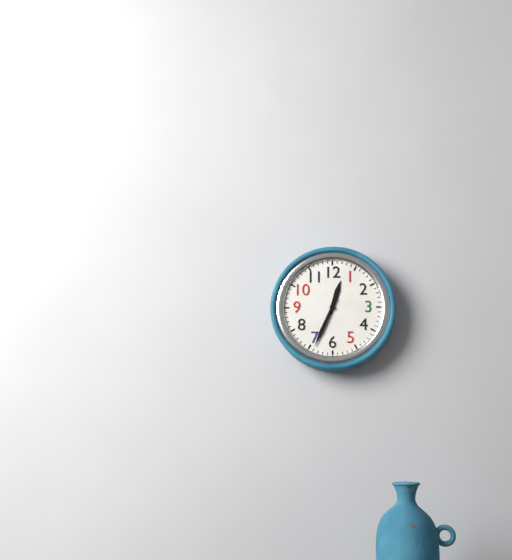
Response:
12.34
